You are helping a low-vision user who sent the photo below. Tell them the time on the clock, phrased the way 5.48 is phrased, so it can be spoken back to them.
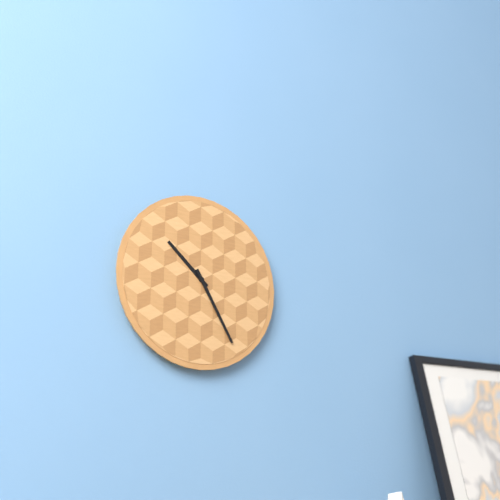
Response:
10.25
